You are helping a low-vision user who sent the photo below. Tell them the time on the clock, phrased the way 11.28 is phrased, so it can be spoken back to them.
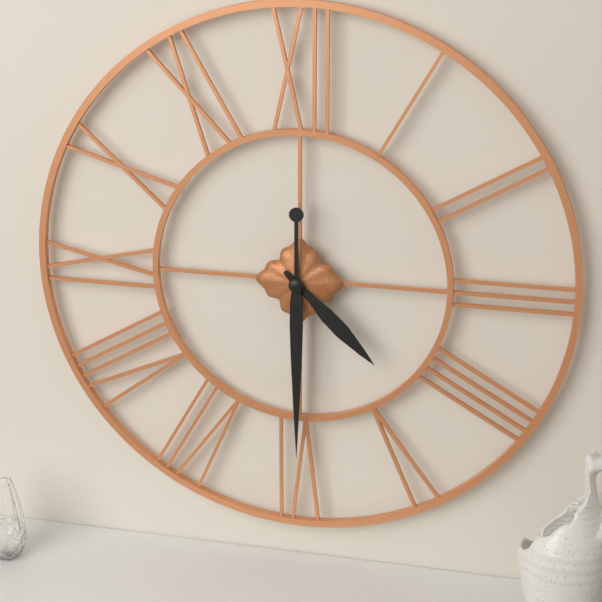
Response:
4.30
